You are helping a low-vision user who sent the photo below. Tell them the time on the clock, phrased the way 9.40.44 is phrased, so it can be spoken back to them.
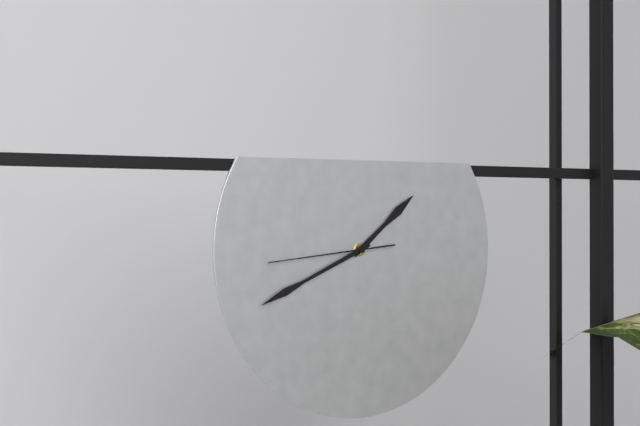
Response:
1.41.44
